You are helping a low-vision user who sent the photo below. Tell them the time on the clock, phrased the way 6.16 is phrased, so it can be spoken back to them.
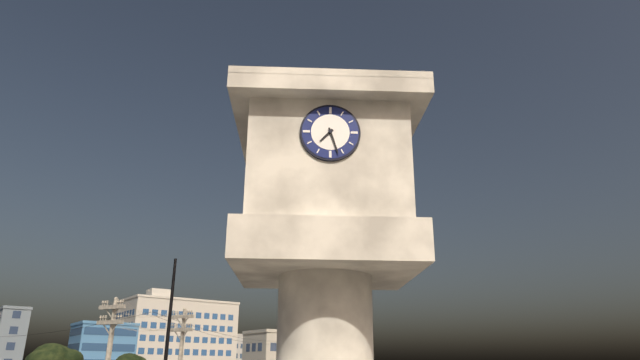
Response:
7.27
